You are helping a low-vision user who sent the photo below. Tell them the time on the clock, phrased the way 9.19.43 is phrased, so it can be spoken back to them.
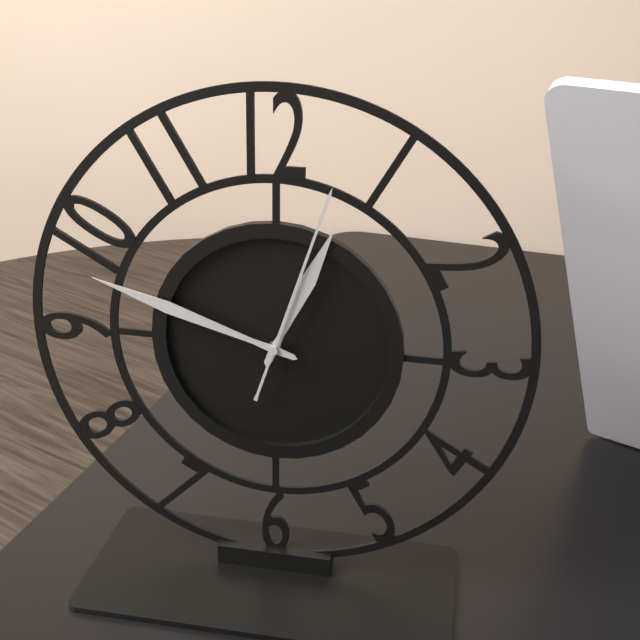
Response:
12.48.03
